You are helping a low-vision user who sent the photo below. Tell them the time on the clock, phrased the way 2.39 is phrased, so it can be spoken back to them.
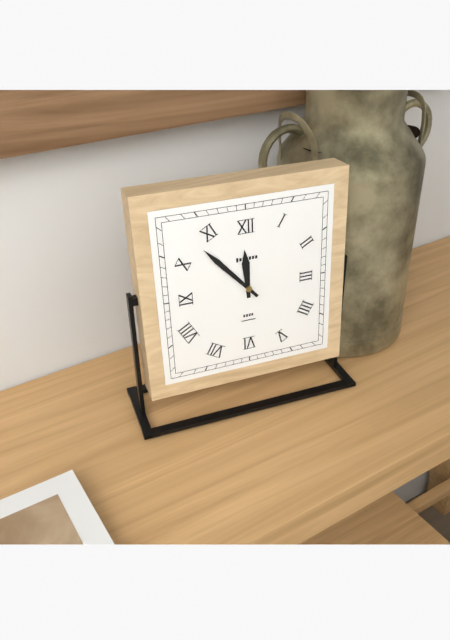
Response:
11.53
